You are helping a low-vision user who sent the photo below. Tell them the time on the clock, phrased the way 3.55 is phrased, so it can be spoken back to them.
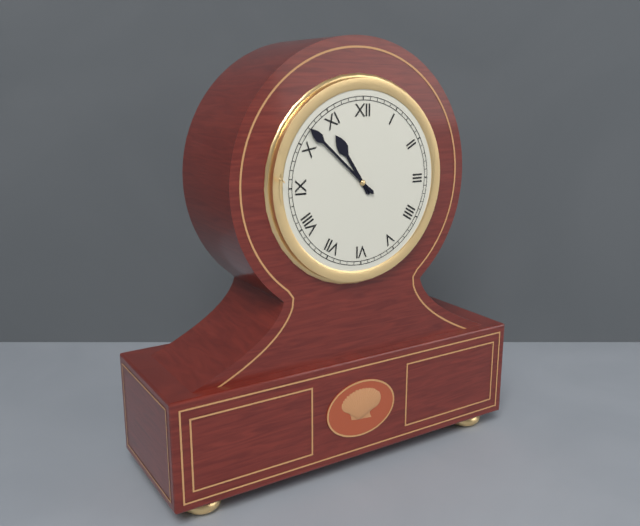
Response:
10.52
